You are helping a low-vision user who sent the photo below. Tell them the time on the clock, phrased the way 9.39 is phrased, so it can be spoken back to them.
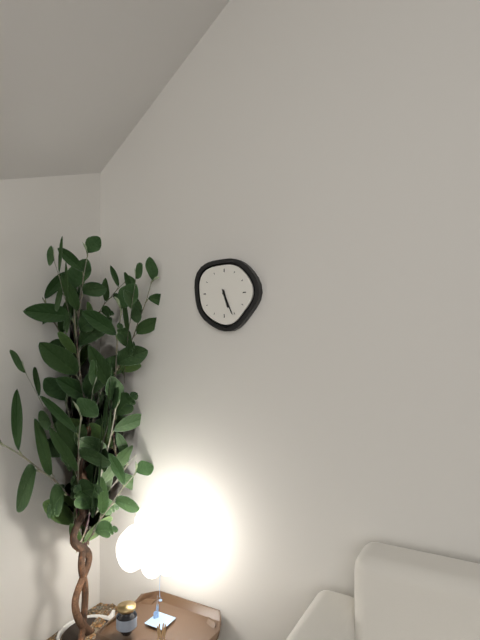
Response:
5.26
